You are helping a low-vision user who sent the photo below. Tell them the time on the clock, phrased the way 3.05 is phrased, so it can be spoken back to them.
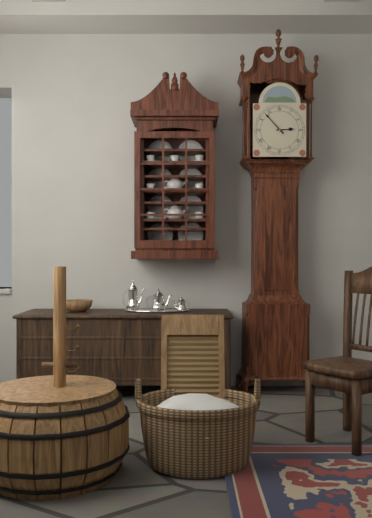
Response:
2.53
